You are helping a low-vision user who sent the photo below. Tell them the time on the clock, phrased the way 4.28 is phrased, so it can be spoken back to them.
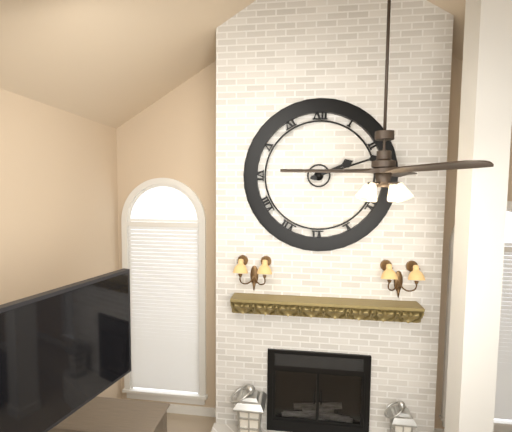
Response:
2.12
